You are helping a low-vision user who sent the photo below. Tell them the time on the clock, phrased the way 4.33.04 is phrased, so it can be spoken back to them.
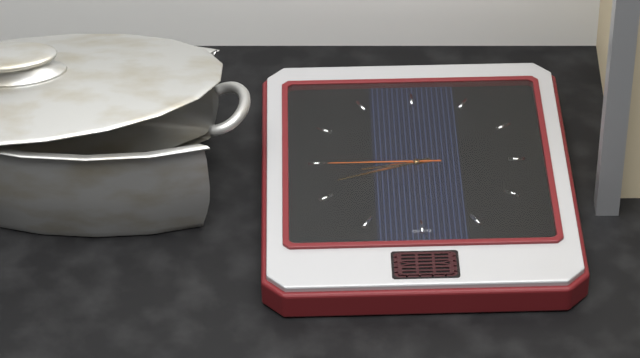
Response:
8.42.45
